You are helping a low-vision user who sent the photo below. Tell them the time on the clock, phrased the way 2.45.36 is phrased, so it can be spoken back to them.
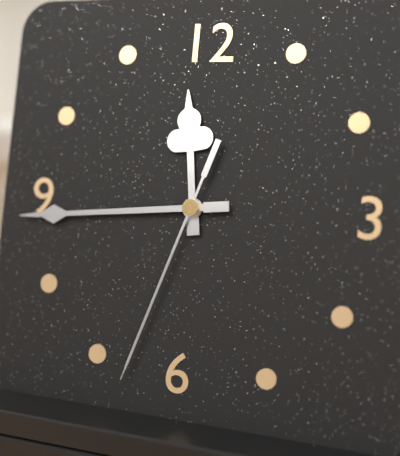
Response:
11.44.33
